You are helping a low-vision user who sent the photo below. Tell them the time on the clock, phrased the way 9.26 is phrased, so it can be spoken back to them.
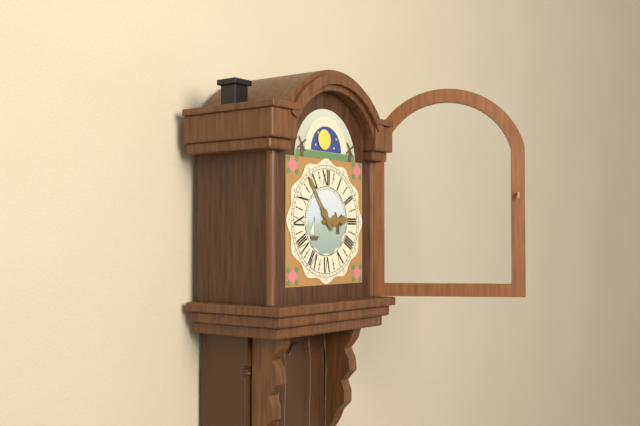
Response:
2.54
